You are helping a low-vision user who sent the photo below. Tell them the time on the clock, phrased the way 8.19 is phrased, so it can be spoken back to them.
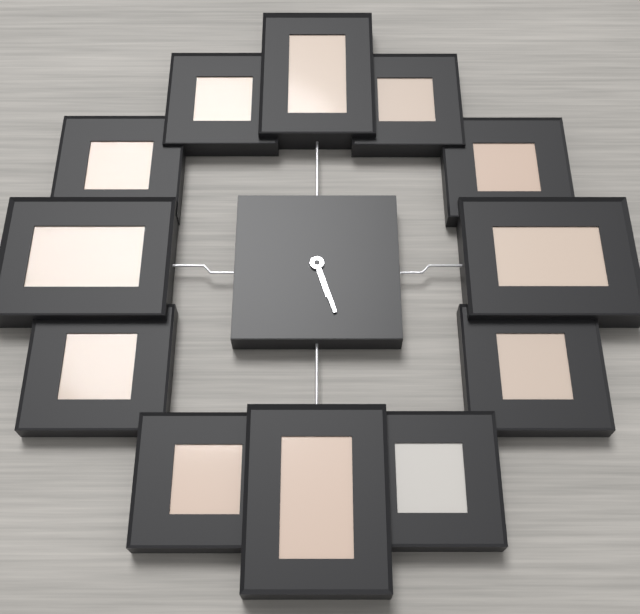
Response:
5.27
